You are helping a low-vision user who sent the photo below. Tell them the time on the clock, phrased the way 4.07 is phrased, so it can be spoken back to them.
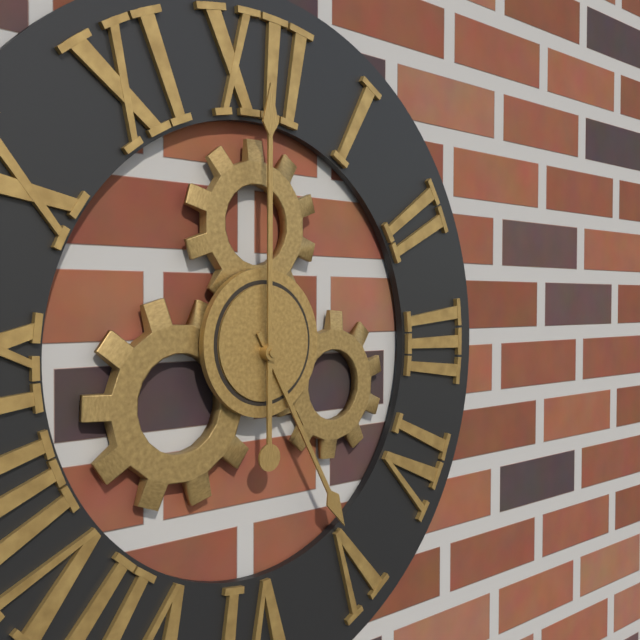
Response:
5.00
